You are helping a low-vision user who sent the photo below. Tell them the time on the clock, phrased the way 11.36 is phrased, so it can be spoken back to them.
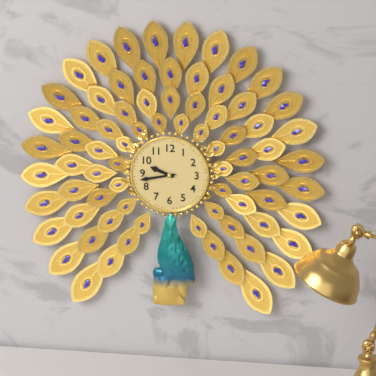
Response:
9.43
